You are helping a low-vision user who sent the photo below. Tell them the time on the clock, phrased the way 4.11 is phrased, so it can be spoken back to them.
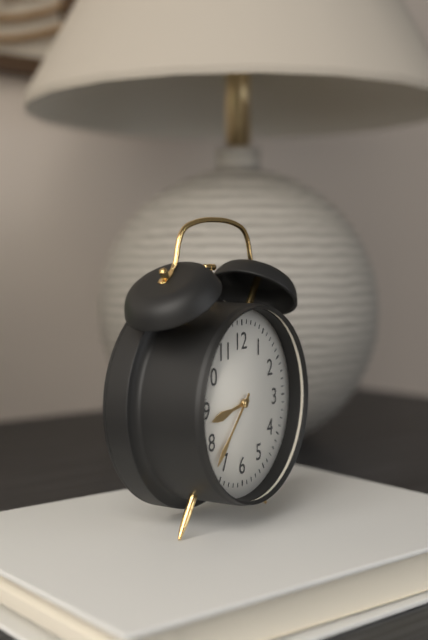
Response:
8.37
